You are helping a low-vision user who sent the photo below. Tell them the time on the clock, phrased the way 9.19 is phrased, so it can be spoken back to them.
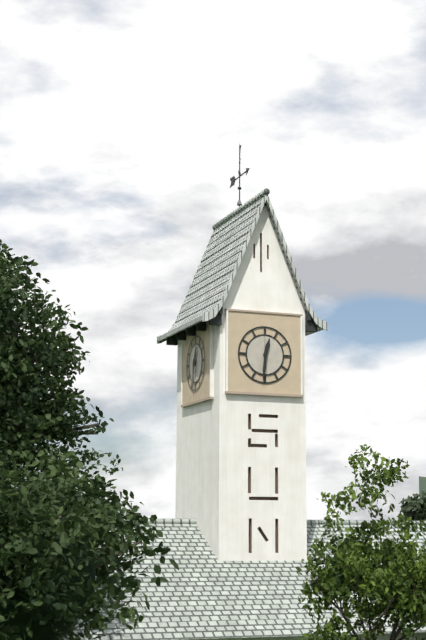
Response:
12.31
